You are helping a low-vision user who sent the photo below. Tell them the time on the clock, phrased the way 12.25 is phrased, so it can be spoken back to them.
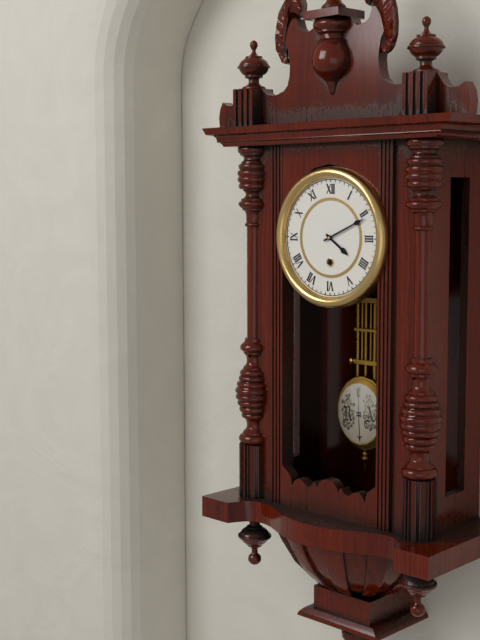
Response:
4.11
